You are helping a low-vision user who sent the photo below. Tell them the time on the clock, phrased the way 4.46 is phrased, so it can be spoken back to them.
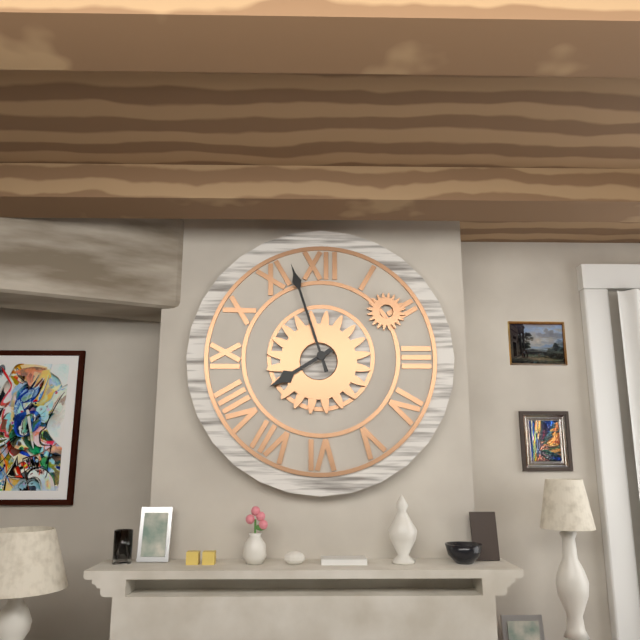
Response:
7.57
